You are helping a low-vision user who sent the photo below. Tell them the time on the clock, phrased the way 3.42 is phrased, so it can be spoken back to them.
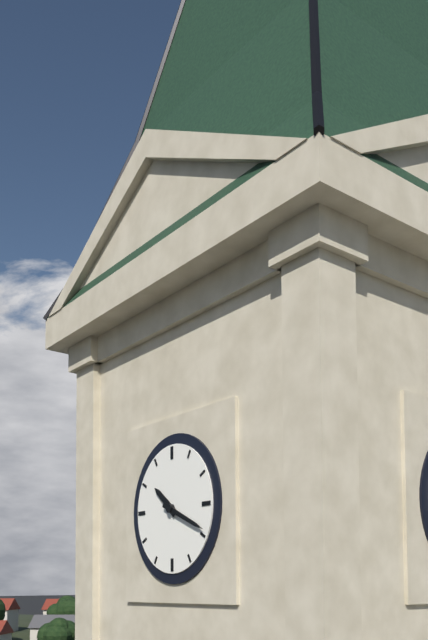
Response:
10.19
